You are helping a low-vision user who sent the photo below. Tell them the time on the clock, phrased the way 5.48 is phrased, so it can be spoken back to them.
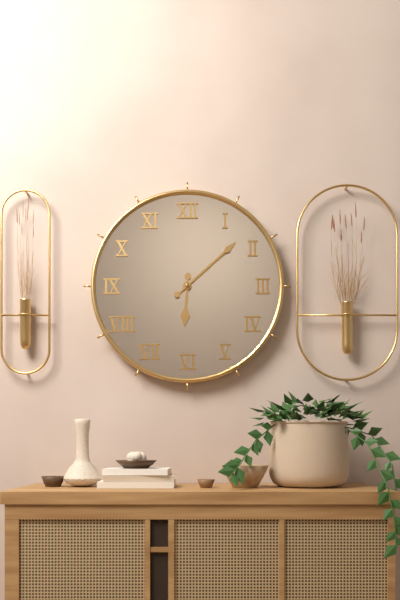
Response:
6.08
